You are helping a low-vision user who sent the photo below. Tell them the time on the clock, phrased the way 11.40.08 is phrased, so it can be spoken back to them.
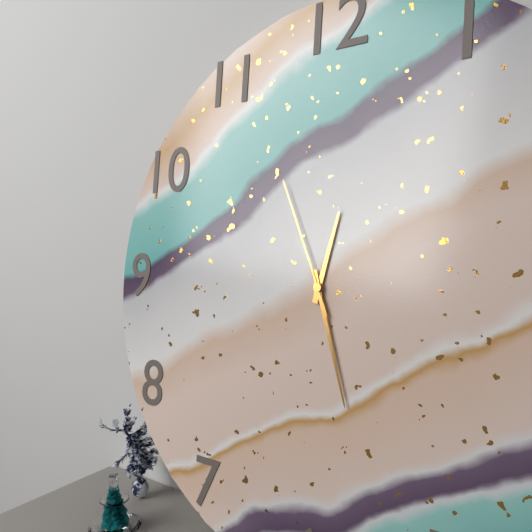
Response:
12.27.56
